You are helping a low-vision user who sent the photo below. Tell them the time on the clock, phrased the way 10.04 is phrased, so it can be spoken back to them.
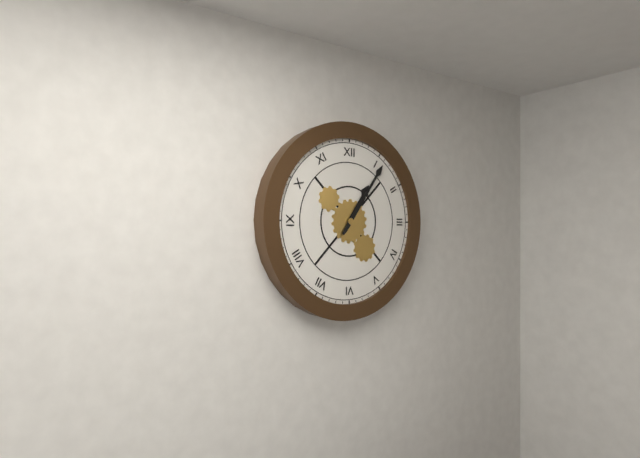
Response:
1.06
